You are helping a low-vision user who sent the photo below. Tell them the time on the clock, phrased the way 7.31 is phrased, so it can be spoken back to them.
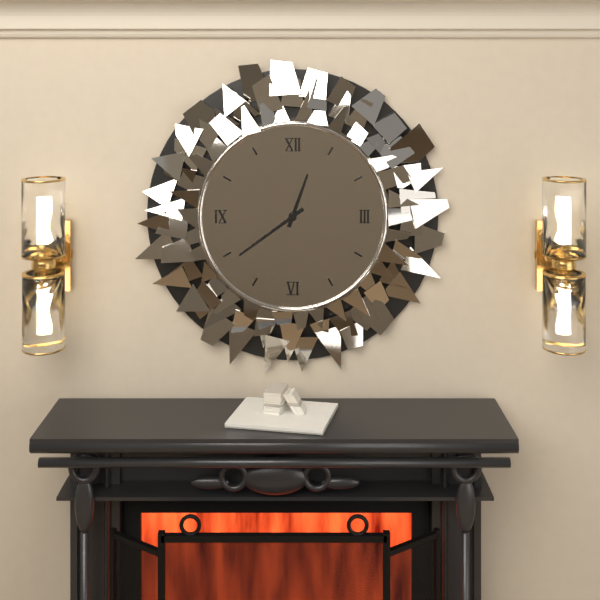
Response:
12.39
